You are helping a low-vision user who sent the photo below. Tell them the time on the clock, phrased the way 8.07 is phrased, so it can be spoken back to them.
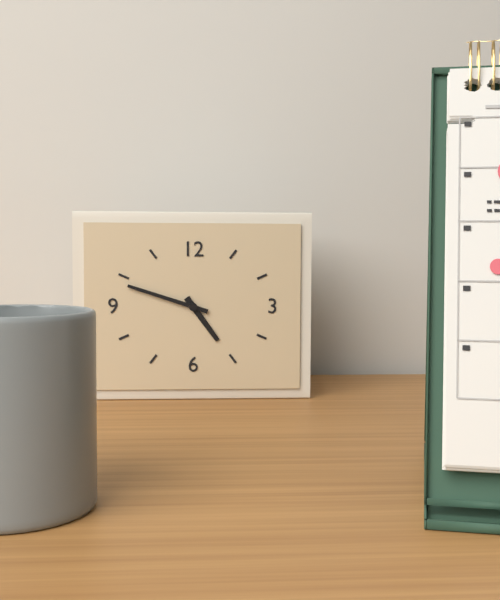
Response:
4.48
